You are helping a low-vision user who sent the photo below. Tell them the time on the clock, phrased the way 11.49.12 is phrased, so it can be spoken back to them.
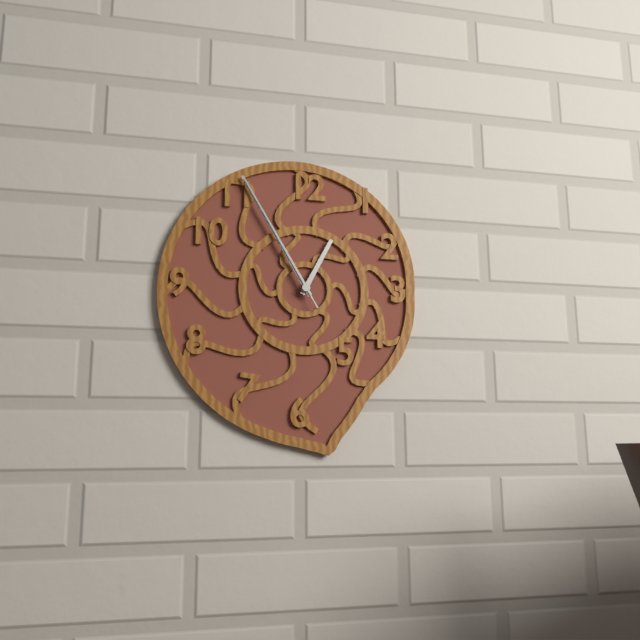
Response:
12.55.55
